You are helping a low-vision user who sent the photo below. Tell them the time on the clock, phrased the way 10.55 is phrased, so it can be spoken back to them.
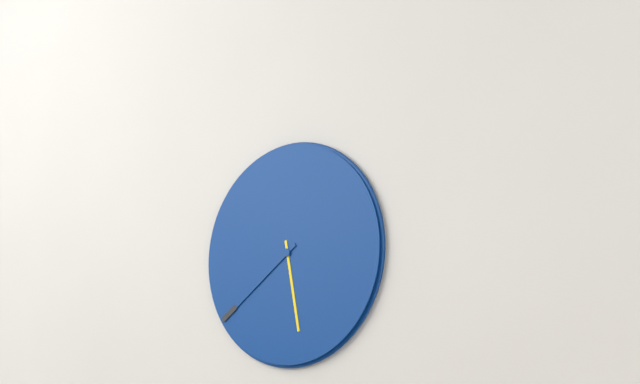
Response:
5.39
